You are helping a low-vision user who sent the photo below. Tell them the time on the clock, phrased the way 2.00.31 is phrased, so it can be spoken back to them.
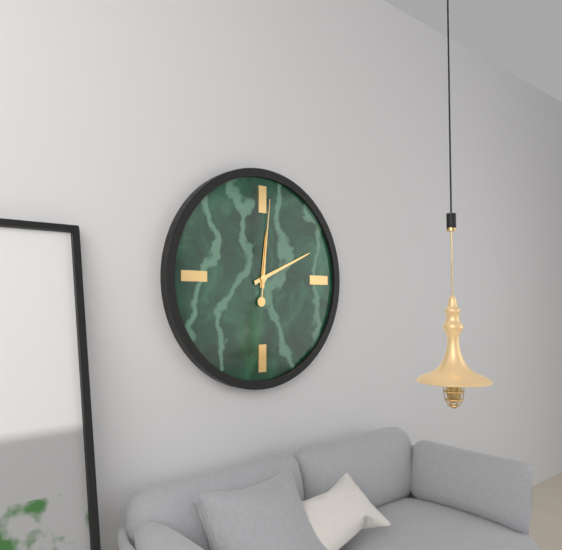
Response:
12.11.01
